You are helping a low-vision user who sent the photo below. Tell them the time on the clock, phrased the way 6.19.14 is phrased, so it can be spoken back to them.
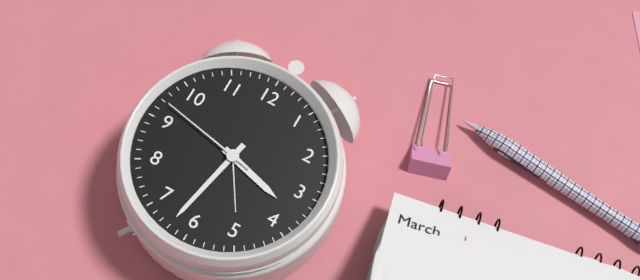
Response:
3.32.47
